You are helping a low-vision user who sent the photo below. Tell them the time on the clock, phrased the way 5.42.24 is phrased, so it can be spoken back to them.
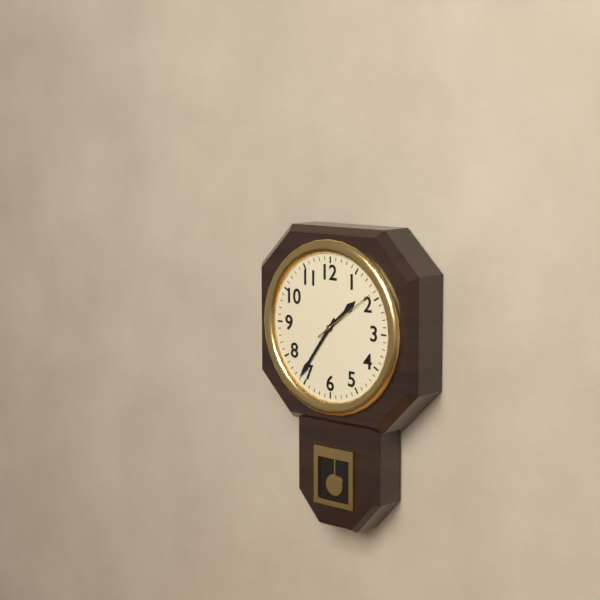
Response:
1.36.09
